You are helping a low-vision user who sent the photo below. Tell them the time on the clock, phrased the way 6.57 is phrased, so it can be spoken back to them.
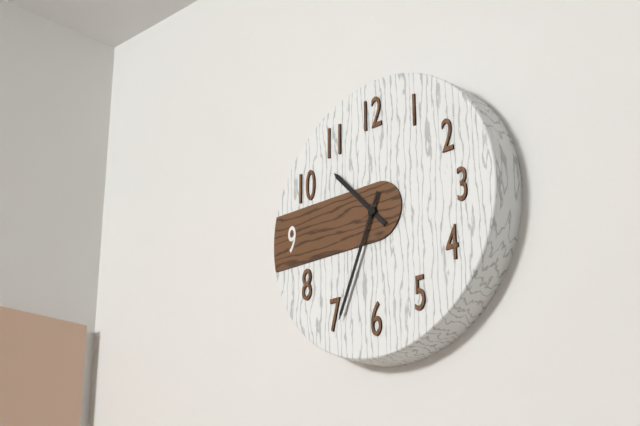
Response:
10.34
